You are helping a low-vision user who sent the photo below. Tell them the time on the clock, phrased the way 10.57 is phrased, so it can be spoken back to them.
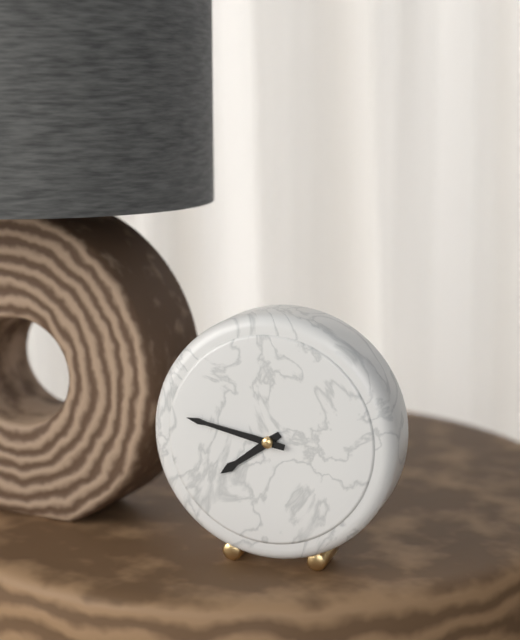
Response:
7.47
